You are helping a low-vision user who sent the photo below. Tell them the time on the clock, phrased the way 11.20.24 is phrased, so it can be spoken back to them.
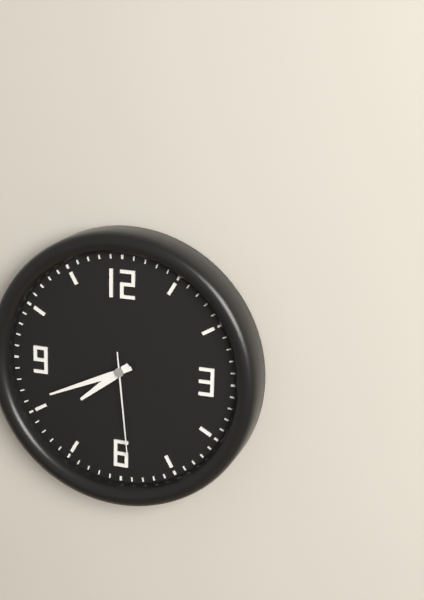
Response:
7.41.29
